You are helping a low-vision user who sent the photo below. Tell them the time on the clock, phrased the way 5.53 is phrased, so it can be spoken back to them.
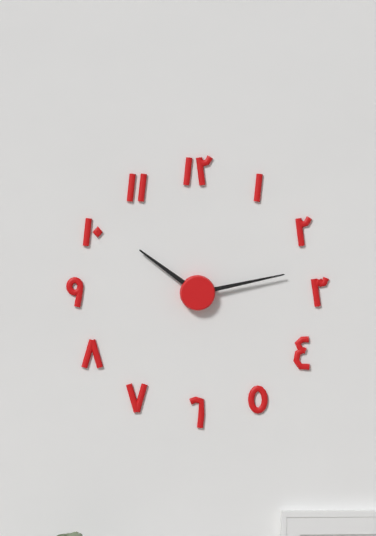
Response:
10.13
